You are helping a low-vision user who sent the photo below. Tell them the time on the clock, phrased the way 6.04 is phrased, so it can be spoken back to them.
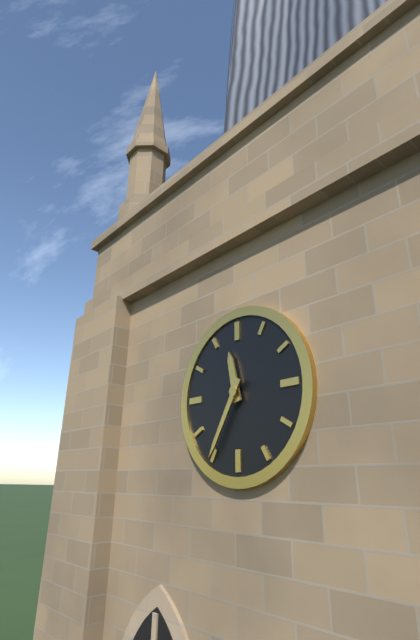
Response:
11.35
